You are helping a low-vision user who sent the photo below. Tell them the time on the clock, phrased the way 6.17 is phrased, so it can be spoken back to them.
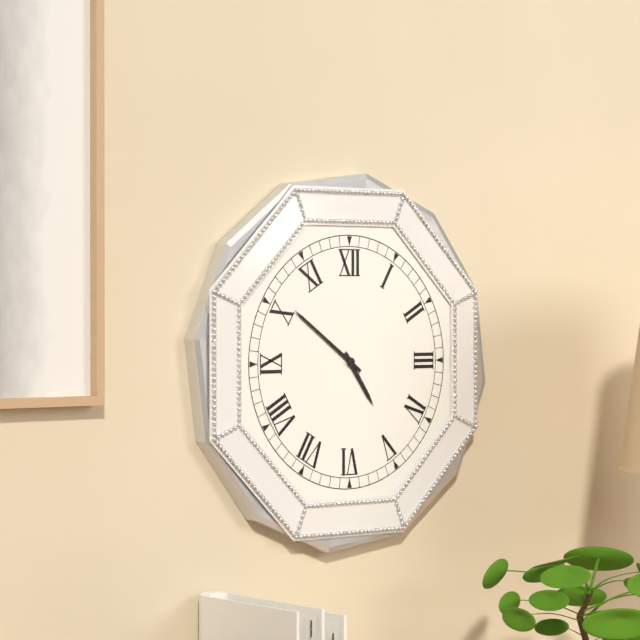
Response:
4.51
